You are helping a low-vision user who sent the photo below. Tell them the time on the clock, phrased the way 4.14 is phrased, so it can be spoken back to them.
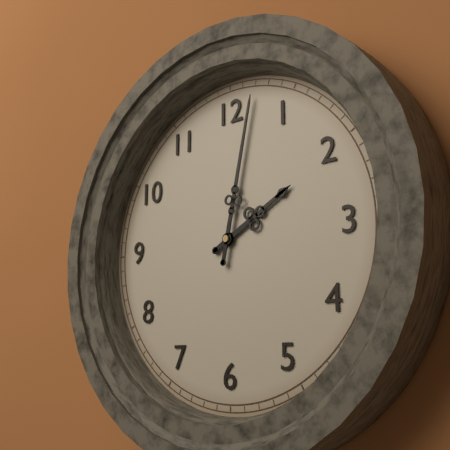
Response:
2.02
